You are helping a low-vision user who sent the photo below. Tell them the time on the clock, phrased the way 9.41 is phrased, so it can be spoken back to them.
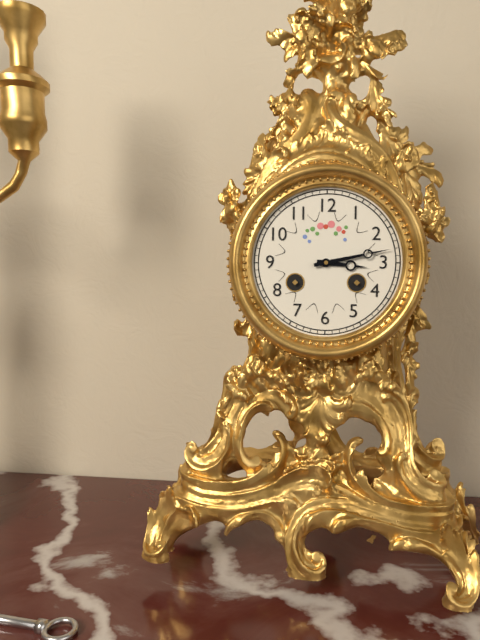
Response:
3.13
